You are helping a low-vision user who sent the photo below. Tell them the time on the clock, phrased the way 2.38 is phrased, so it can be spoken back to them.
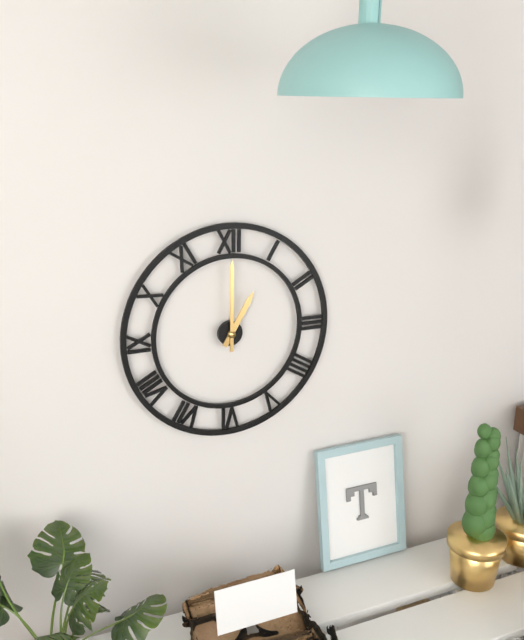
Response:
1.00
